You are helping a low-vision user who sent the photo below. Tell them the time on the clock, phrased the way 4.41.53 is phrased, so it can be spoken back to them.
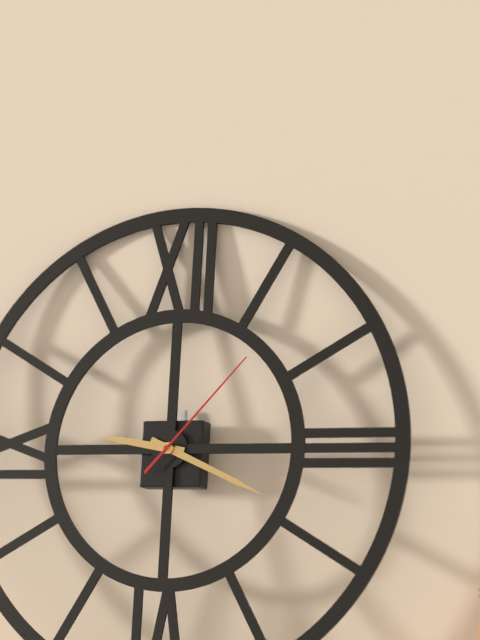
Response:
9.19.07
